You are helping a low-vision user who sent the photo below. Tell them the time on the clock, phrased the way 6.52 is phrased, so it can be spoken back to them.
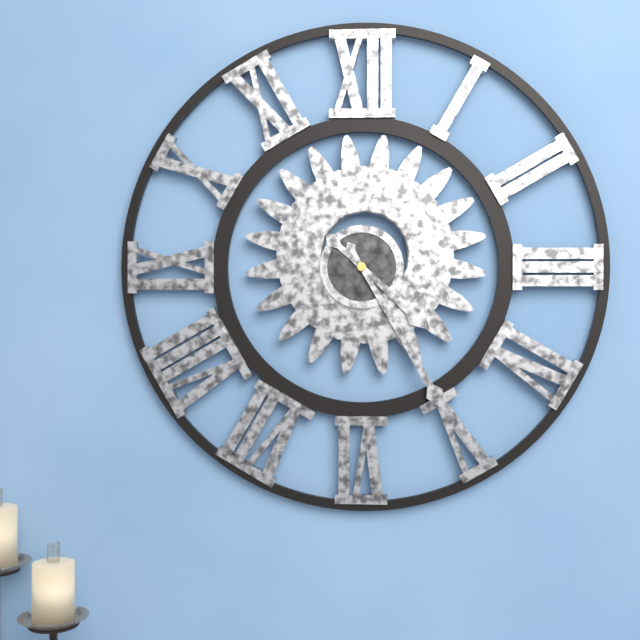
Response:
4.25
